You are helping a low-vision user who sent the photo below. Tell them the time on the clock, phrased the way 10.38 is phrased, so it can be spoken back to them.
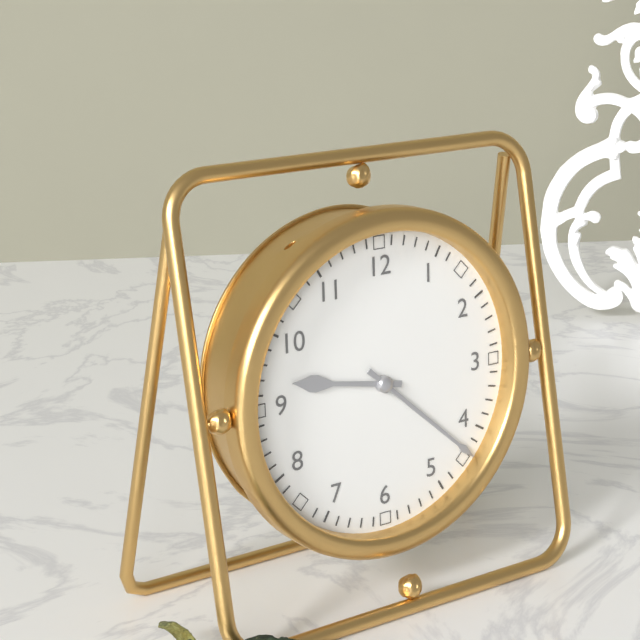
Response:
9.22
